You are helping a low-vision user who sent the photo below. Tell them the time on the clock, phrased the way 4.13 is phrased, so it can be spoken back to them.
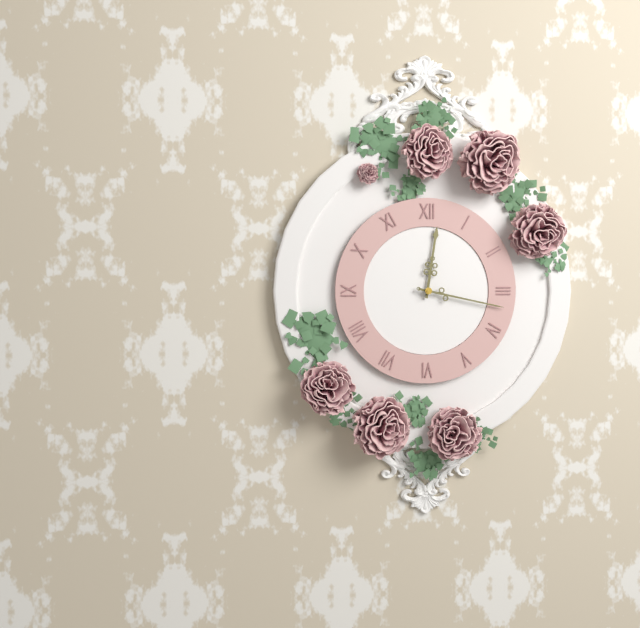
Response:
12.17
